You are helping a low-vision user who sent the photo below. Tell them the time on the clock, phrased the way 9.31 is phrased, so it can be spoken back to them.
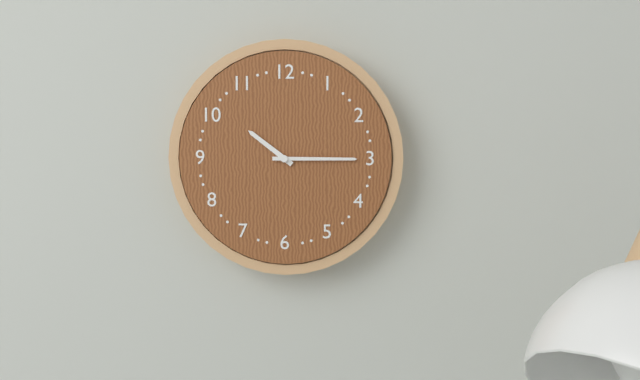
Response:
10.15
